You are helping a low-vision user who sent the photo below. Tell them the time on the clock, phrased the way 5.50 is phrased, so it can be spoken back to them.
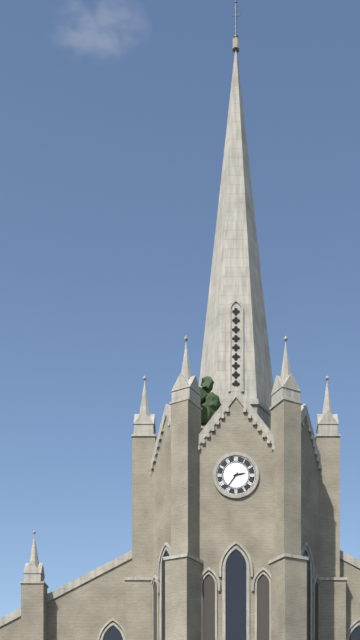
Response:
2.36
